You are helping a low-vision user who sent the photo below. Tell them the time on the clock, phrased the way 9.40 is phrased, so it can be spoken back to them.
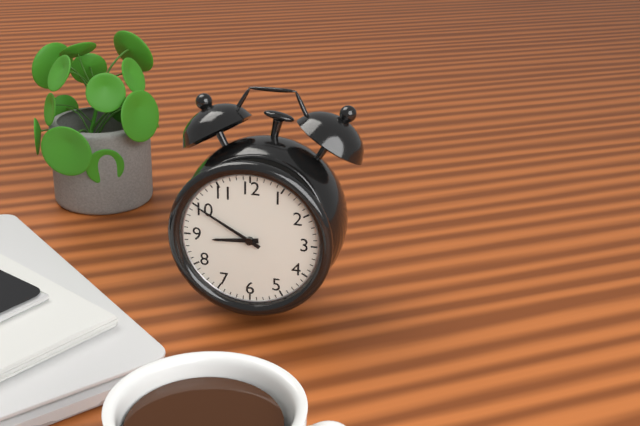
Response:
8.50
